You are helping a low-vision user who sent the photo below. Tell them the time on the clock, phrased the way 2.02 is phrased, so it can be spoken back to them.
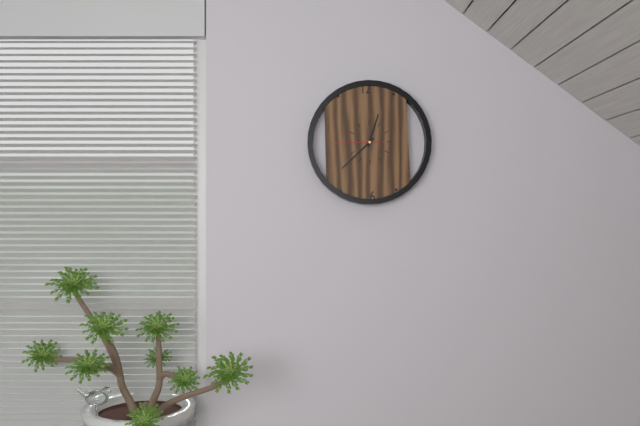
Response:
12.38
